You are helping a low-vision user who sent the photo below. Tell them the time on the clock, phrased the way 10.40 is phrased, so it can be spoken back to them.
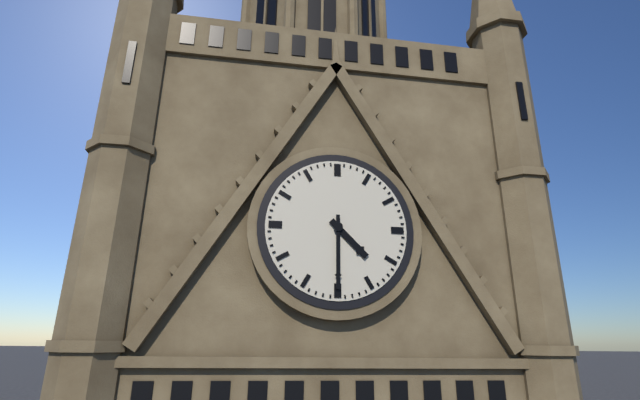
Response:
4.30
